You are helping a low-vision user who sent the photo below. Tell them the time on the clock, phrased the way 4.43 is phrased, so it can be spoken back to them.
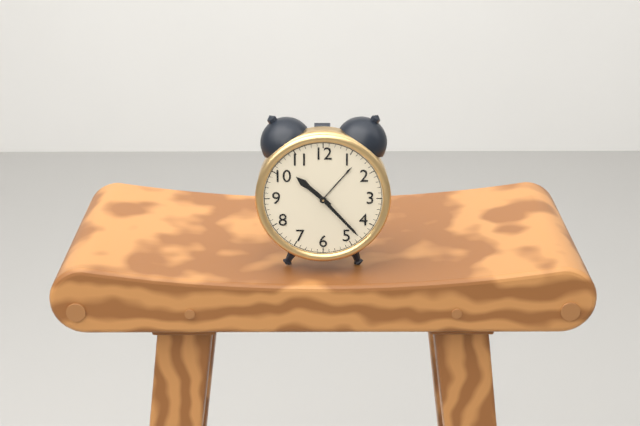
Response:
10.23
